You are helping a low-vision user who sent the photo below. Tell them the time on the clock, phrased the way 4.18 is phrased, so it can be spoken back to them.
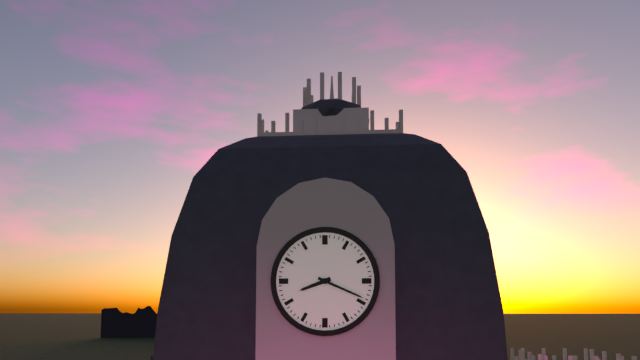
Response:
8.19
